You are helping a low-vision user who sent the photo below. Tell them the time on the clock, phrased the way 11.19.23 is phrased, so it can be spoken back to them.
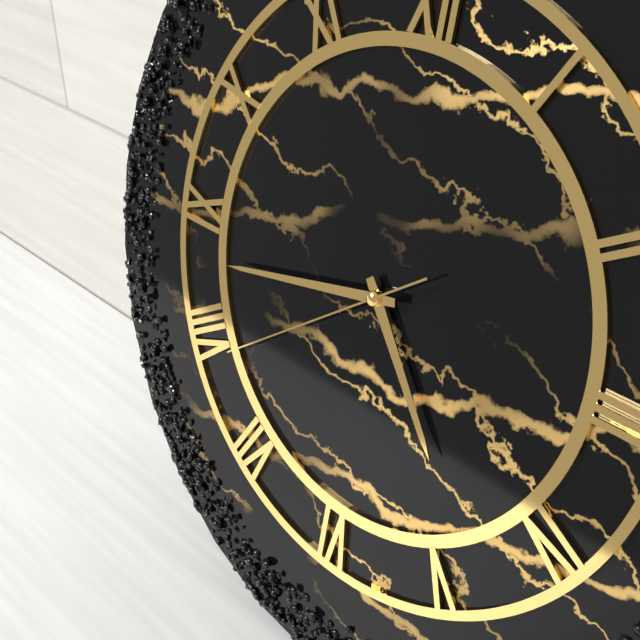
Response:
4.43.39
